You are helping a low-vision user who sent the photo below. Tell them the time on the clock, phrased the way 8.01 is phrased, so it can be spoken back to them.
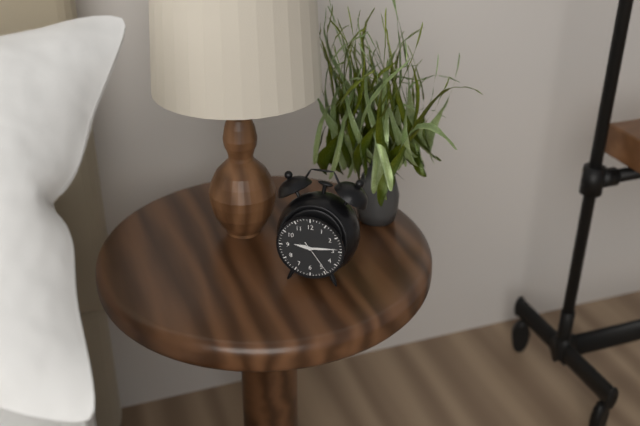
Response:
9.14
